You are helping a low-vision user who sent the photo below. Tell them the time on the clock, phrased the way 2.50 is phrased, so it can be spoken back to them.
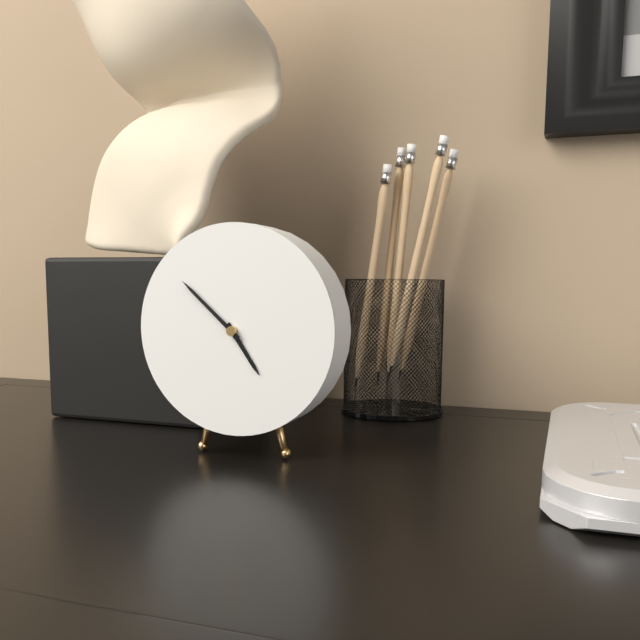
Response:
4.52
